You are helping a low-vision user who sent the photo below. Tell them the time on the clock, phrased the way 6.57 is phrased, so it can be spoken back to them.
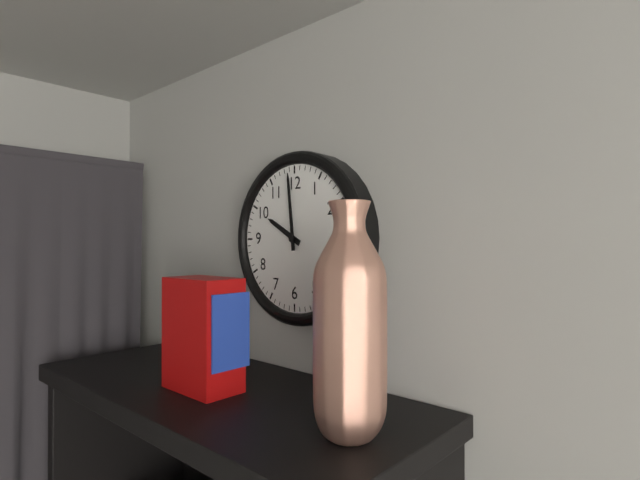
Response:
9.59
